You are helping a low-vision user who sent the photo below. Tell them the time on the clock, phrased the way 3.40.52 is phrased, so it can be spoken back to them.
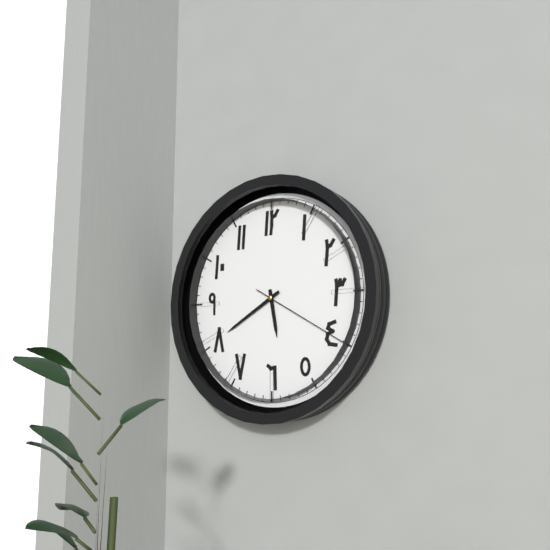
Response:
5.40.20
